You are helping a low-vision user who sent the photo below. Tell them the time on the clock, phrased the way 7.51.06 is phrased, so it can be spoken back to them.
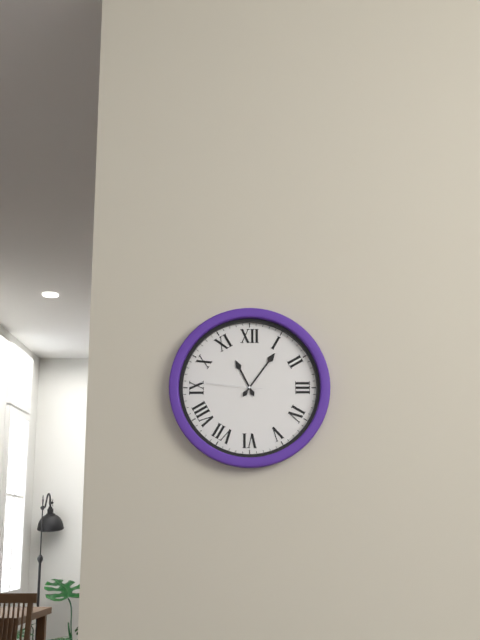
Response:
11.06.46
